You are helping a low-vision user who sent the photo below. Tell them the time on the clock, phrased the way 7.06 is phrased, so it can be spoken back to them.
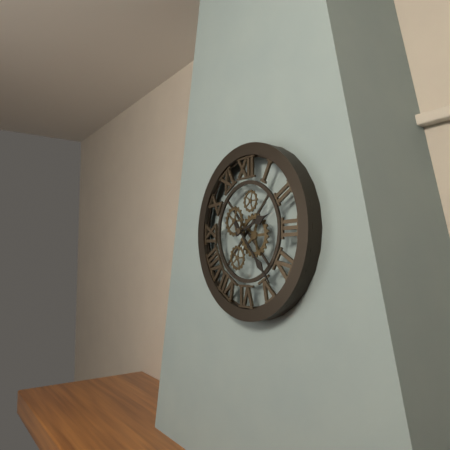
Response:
2.23
